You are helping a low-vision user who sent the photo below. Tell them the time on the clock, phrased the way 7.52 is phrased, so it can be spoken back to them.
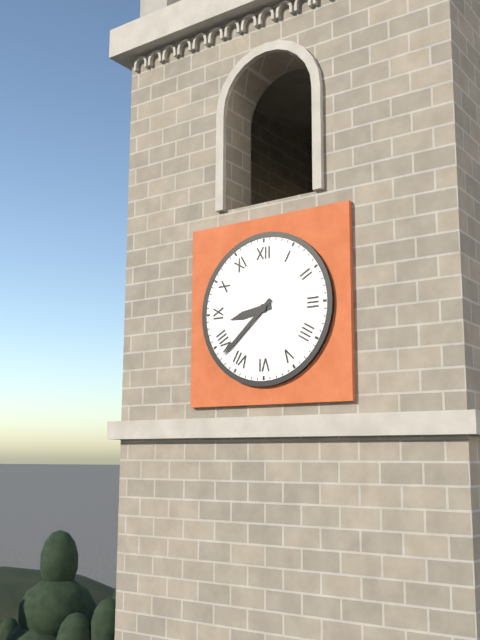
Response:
8.38
